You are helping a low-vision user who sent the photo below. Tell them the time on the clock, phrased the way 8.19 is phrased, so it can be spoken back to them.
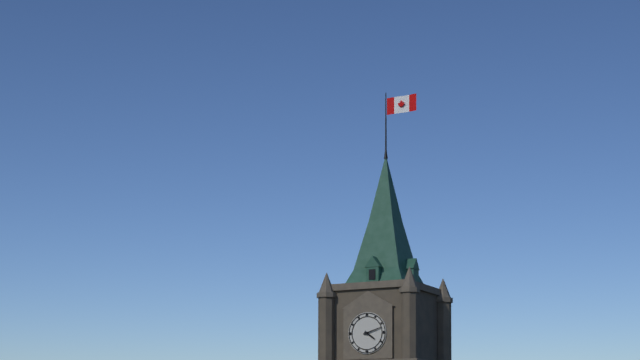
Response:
4.12
